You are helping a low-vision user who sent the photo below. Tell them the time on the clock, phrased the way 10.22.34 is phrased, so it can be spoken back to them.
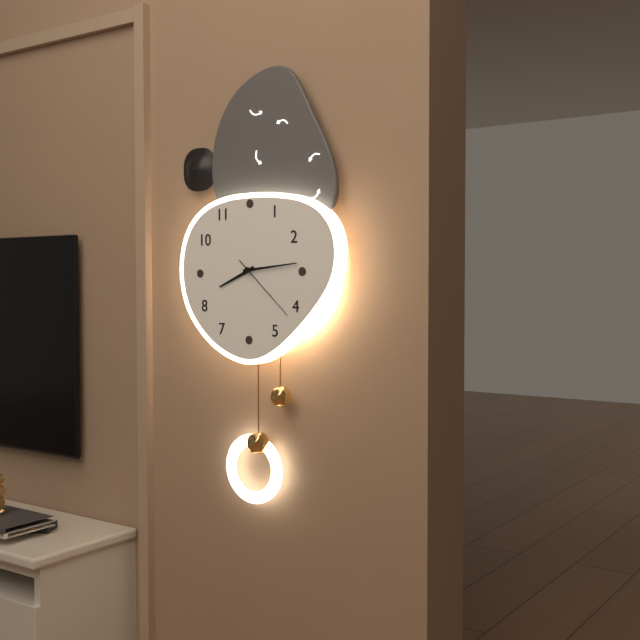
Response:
8.14.22
